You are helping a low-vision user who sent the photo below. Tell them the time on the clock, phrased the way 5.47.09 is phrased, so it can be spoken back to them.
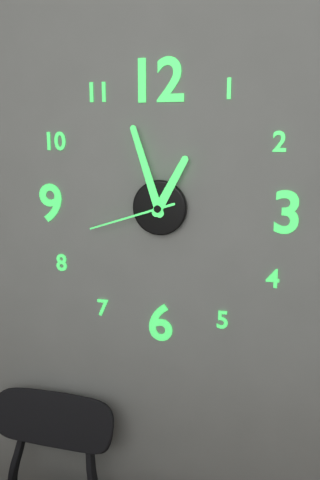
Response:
12.57.42
